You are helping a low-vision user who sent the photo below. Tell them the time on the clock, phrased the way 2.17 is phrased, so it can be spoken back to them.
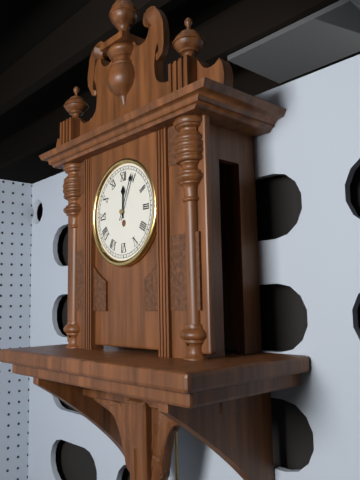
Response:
12.04
